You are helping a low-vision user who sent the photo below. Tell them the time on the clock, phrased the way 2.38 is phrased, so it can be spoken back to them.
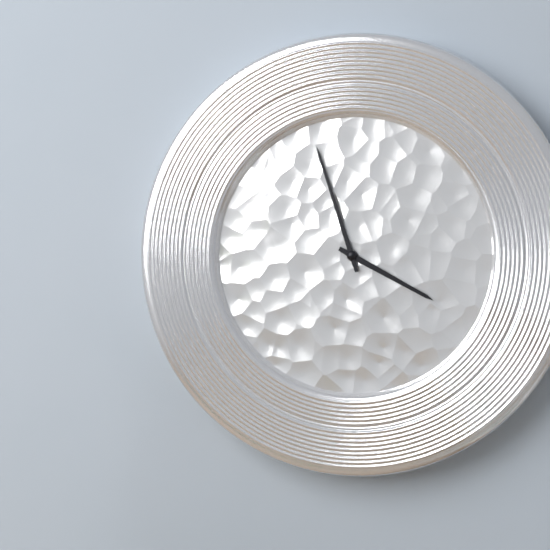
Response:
3.57
